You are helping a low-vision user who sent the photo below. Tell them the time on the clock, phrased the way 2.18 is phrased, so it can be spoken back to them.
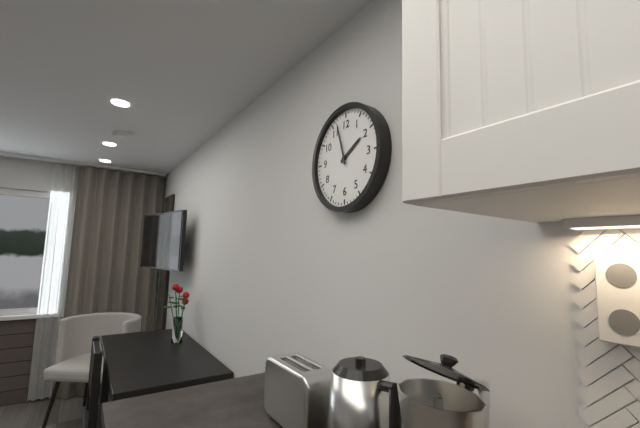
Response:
1.57
